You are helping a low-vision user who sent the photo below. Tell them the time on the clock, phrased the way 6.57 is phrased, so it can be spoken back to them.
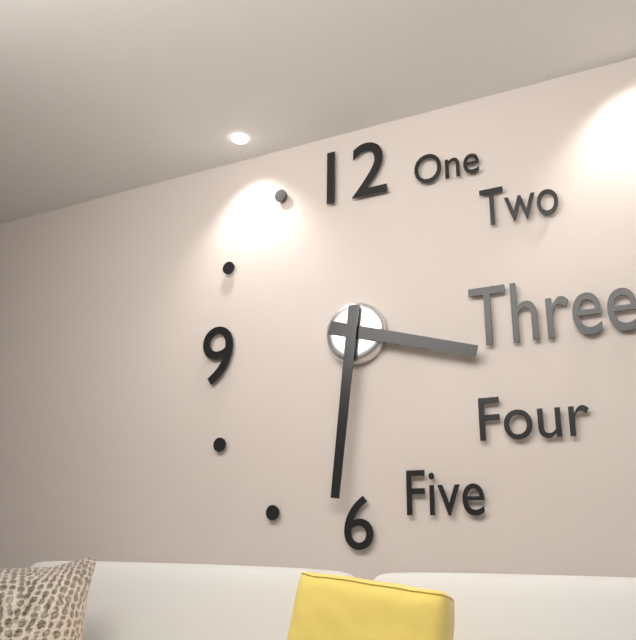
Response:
3.31
